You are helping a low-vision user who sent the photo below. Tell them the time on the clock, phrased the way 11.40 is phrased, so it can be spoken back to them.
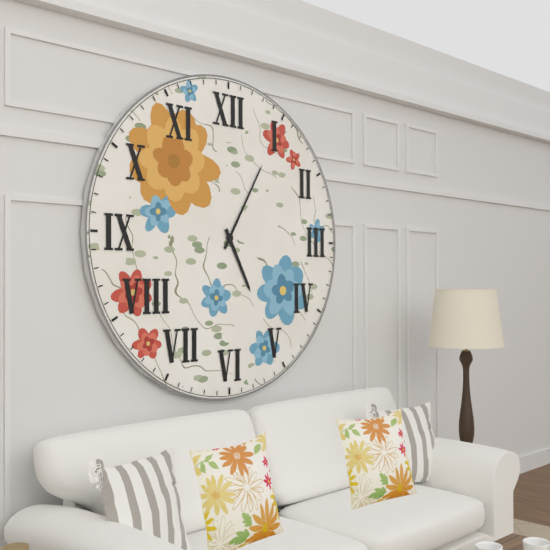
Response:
5.05
